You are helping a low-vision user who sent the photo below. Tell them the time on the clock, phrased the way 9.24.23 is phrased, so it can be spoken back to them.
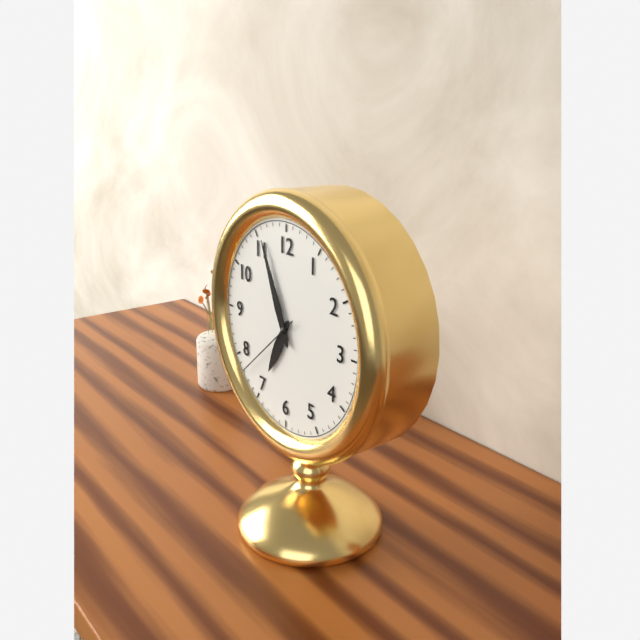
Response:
6.56.38
